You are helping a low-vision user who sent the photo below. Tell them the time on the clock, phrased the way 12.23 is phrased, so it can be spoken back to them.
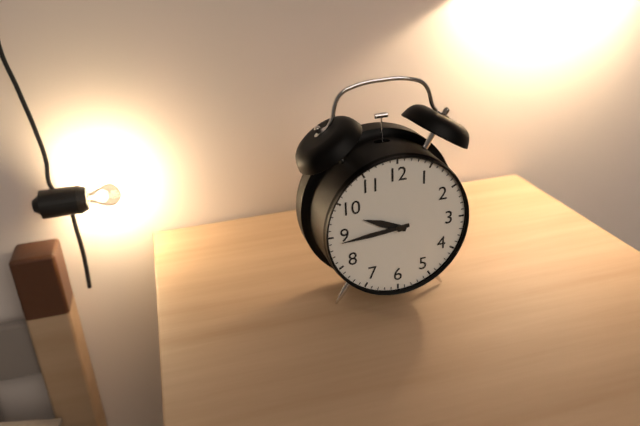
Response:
9.44
